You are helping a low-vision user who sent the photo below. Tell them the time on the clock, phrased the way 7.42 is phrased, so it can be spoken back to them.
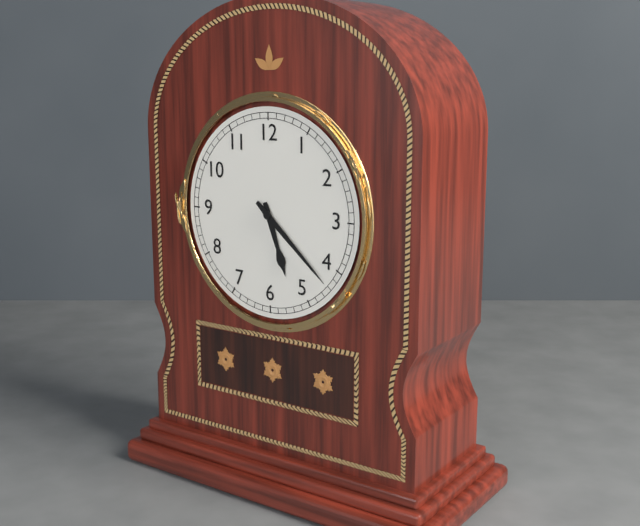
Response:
5.22
